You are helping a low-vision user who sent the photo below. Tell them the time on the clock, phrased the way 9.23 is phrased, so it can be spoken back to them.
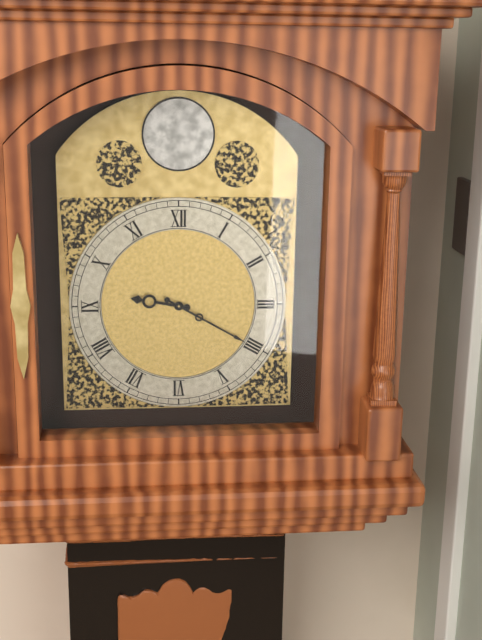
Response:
9.20
